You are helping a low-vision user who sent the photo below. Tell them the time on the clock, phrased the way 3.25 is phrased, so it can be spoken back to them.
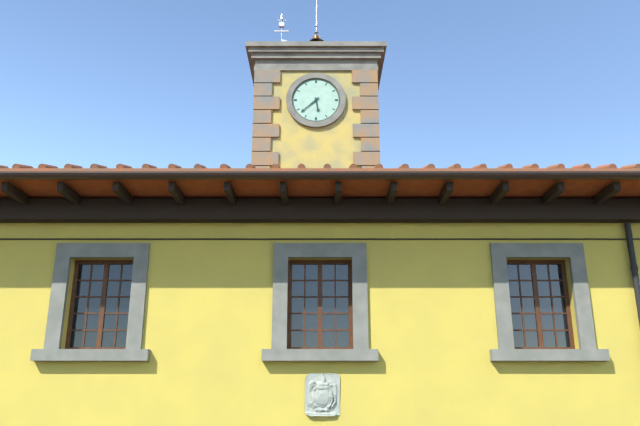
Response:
5.38
